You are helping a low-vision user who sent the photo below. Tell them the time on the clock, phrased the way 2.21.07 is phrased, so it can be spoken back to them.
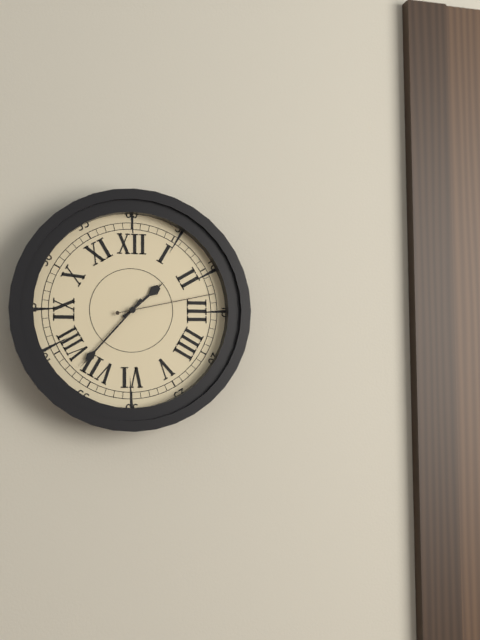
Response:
1.37.13
